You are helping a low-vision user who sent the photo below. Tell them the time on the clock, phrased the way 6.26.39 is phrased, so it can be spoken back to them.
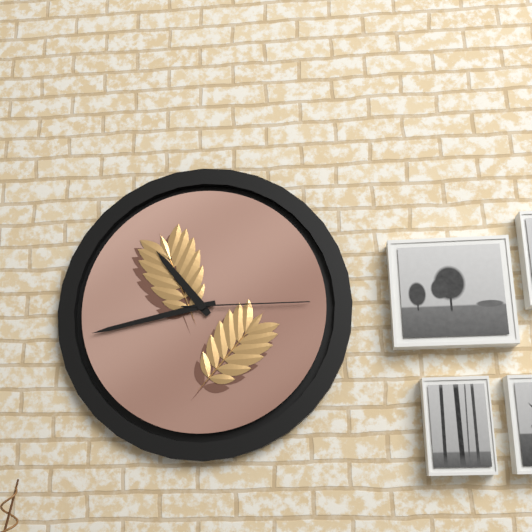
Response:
10.43.15
